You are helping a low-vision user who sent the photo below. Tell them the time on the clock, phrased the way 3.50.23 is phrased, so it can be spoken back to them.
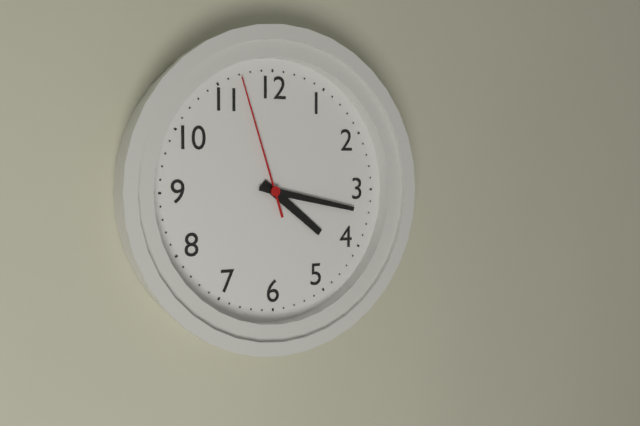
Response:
4.17.57
